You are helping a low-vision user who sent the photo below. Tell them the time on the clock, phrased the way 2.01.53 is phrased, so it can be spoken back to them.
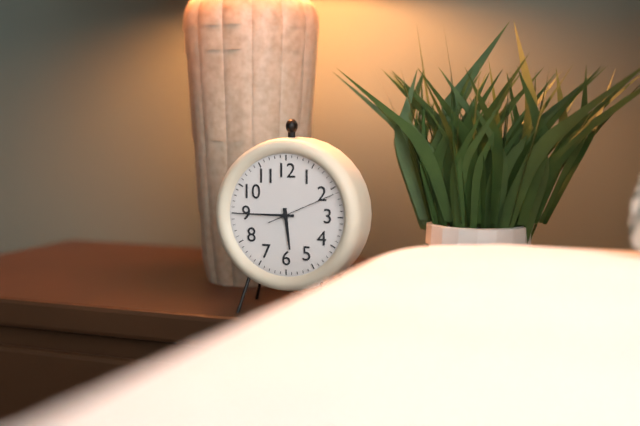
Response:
5.45.11
